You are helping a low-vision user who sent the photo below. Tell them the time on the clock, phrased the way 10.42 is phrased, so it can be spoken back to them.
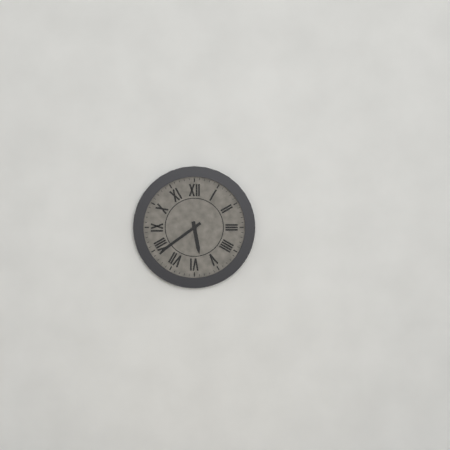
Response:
5.39
